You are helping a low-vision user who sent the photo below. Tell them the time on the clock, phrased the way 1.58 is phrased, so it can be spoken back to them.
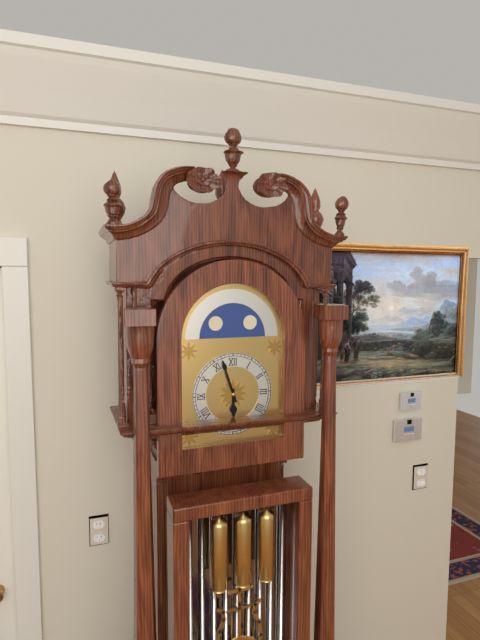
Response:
5.57
